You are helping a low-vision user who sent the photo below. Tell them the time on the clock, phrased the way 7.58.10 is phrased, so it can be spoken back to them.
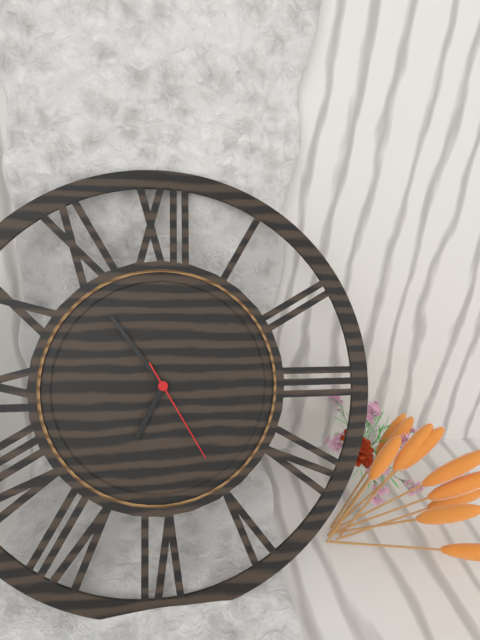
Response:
6.54.25
